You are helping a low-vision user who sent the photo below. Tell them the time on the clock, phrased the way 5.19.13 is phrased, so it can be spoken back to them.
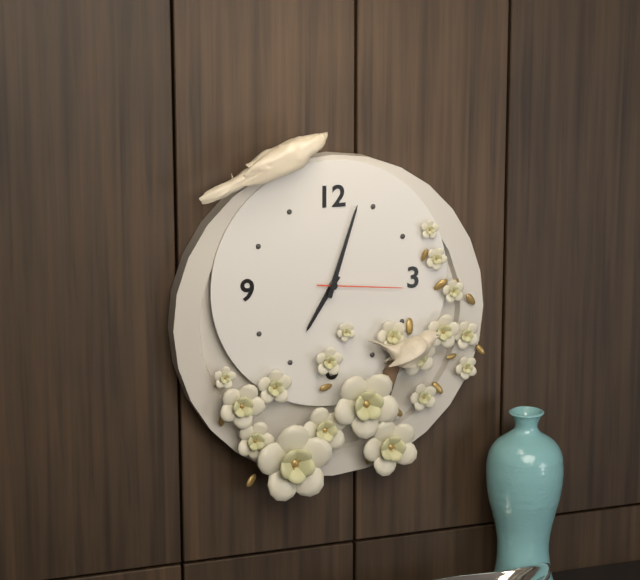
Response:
7.03.16
